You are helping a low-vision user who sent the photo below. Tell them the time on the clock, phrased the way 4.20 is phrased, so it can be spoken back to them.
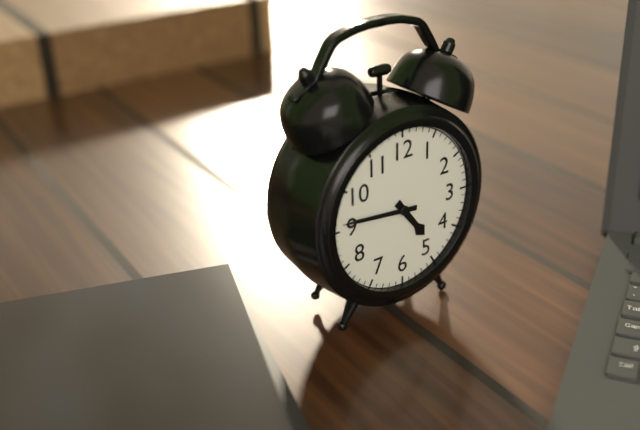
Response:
4.46
